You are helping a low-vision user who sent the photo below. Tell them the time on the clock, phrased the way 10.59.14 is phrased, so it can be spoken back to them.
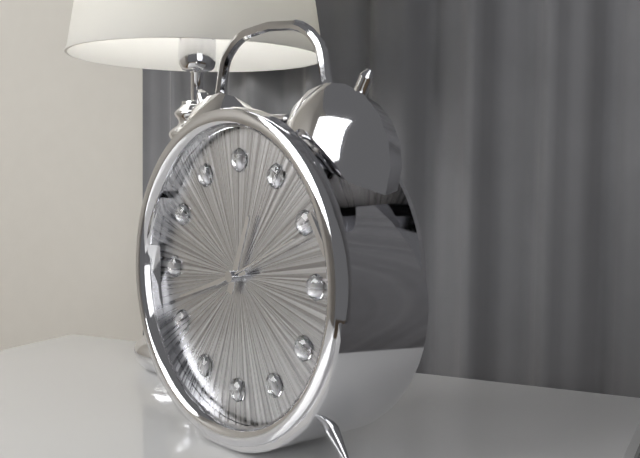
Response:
12.42.11
